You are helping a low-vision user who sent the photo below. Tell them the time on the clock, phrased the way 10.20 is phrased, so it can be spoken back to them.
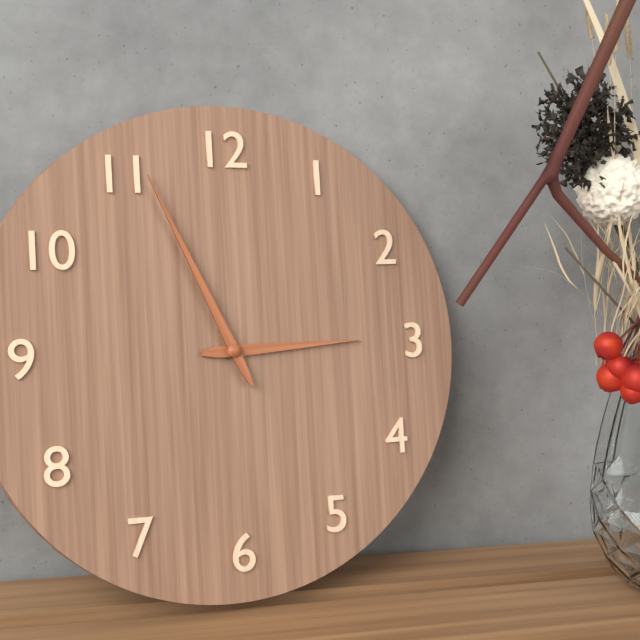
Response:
2.56
